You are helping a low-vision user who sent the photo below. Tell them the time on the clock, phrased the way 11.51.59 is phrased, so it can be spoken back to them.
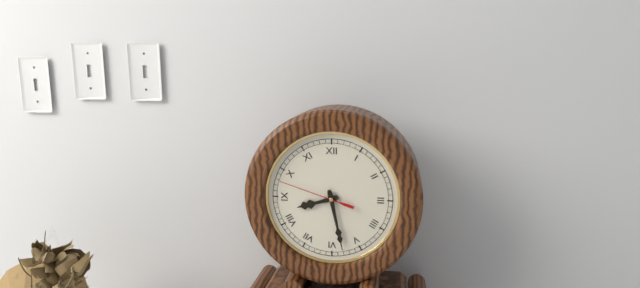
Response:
8.28.48
